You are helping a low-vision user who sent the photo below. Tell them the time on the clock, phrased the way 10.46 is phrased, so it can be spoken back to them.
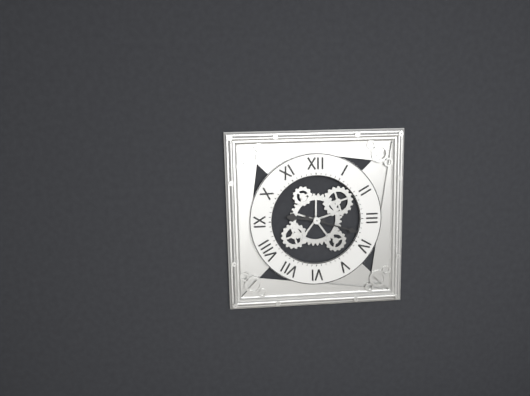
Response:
9.18
